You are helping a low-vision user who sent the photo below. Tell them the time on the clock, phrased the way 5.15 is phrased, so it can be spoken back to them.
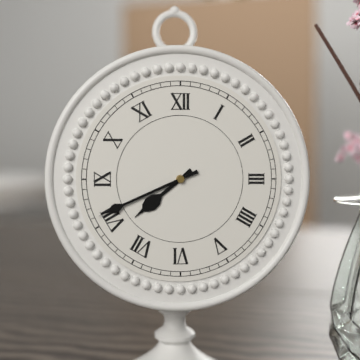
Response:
7.41
